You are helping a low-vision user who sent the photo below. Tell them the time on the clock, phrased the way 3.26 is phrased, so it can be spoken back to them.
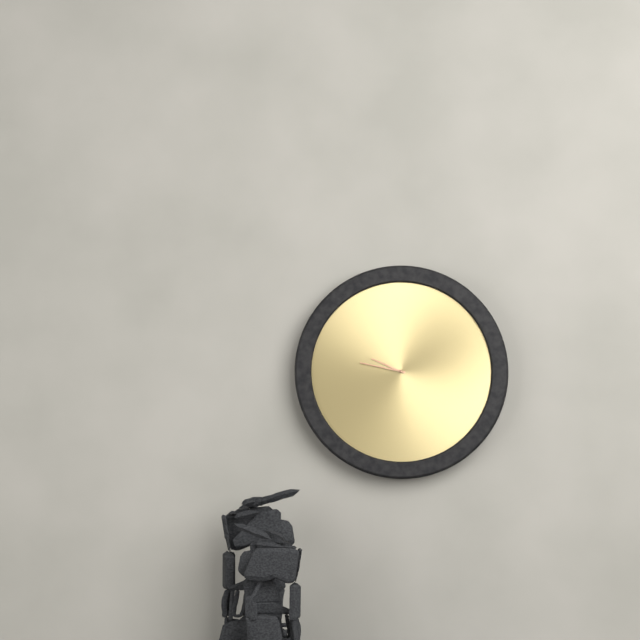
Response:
9.47
